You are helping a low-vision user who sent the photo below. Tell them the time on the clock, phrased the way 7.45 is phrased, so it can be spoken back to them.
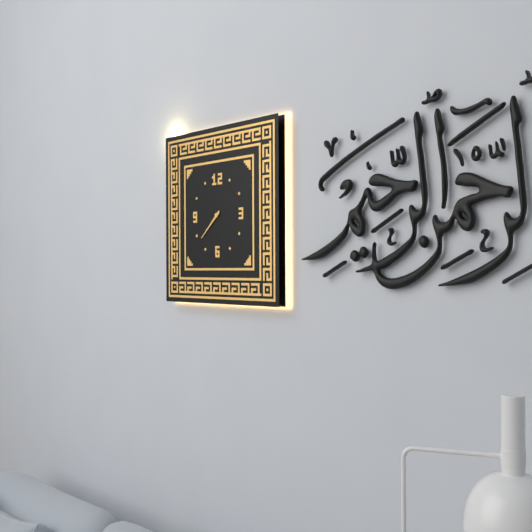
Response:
7.38
